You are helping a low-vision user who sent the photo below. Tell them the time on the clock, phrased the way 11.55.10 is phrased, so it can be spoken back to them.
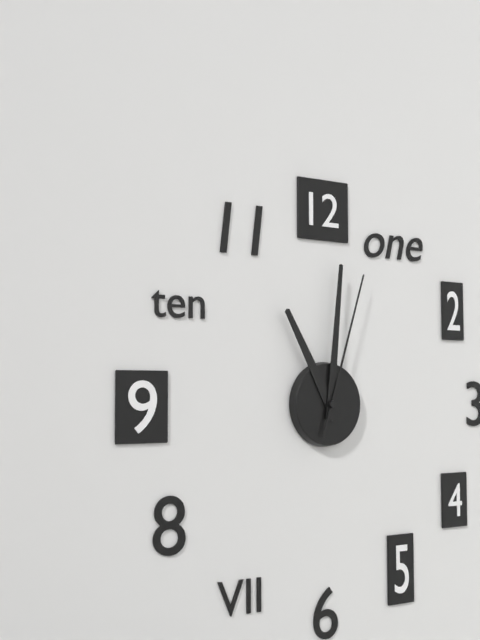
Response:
11.01.03
